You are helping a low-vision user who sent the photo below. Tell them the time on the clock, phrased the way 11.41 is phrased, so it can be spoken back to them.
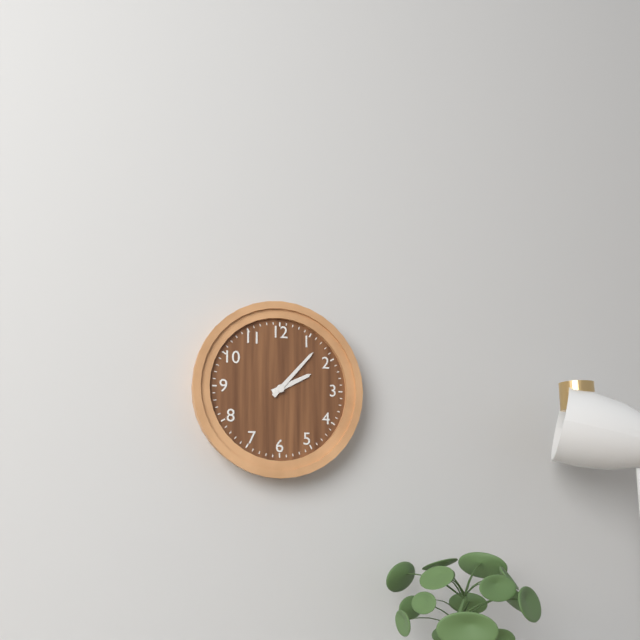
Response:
2.07
